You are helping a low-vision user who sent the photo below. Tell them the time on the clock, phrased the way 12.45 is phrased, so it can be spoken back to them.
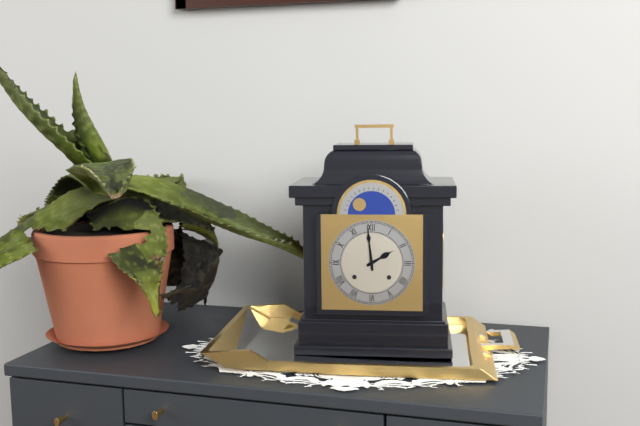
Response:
1.59
